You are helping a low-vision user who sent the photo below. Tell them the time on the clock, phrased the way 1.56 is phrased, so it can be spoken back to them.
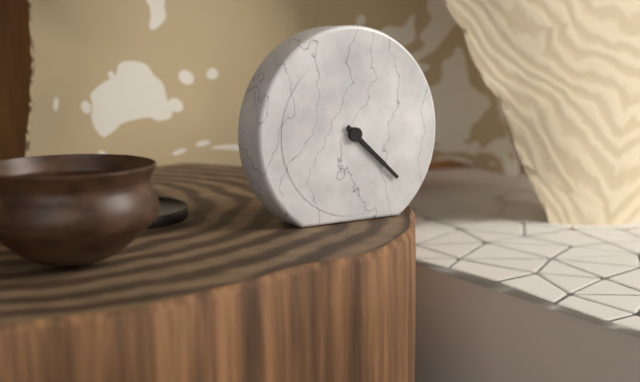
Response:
4.22
